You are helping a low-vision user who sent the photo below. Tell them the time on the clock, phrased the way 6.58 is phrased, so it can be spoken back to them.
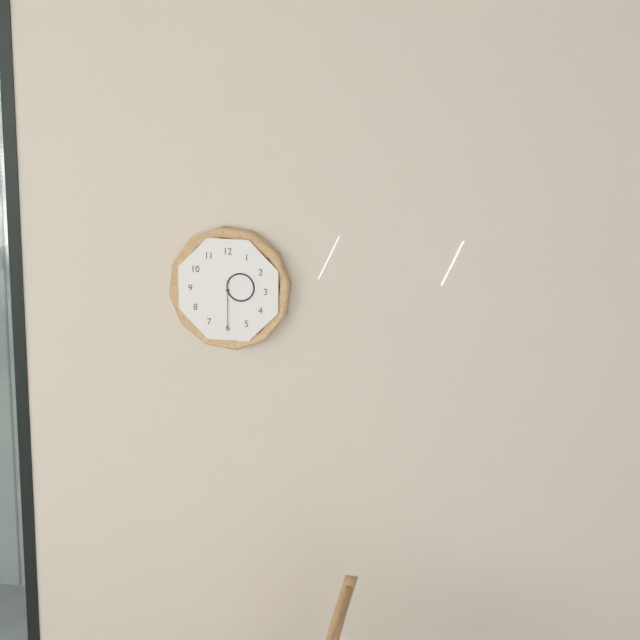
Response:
2.30
